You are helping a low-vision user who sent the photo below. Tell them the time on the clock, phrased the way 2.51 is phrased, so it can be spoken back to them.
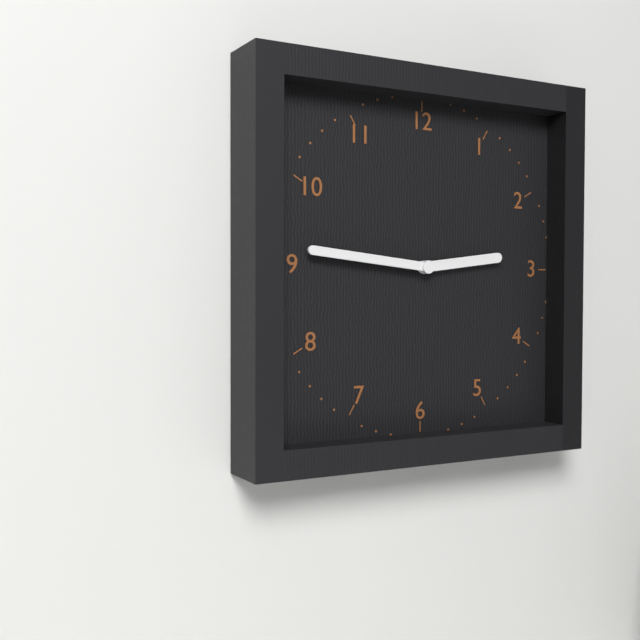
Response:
2.46
